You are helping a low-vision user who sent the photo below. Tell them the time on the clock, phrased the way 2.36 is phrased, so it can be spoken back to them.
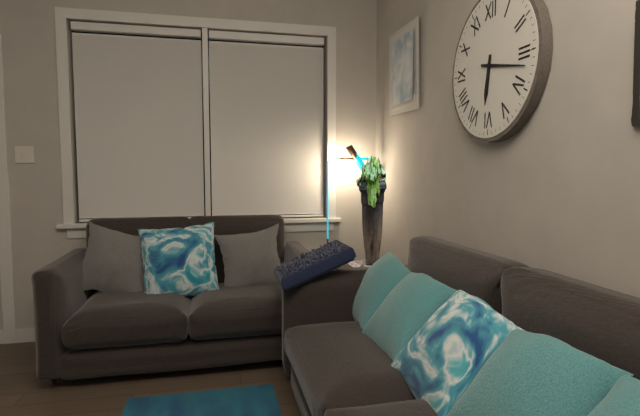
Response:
6.17
